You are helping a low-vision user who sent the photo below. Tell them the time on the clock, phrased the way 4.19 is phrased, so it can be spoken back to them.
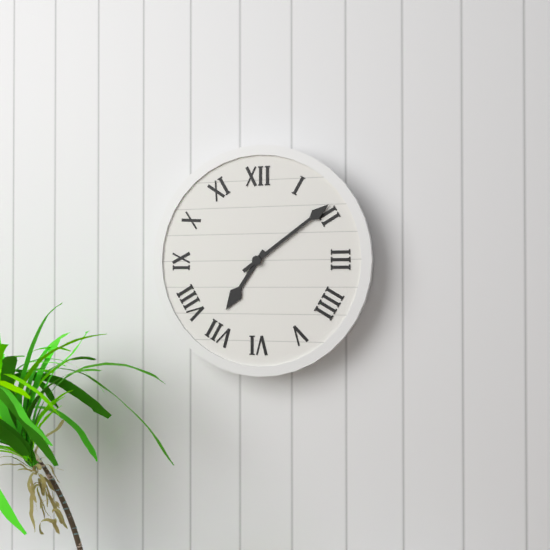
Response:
7.09
